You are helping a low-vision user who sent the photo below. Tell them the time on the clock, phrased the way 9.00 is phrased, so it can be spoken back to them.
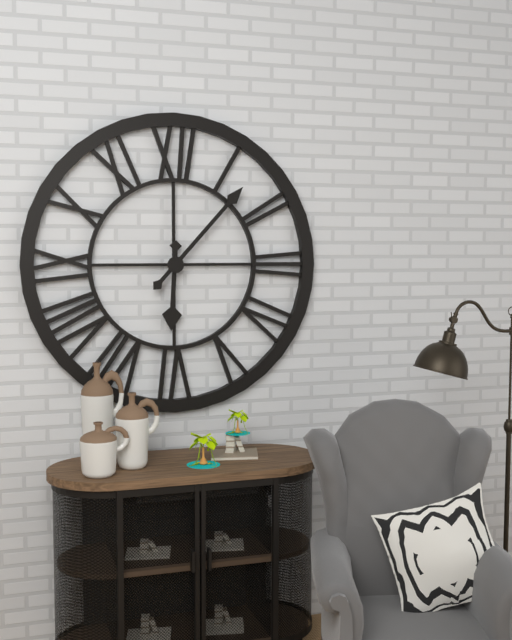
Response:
6.07
